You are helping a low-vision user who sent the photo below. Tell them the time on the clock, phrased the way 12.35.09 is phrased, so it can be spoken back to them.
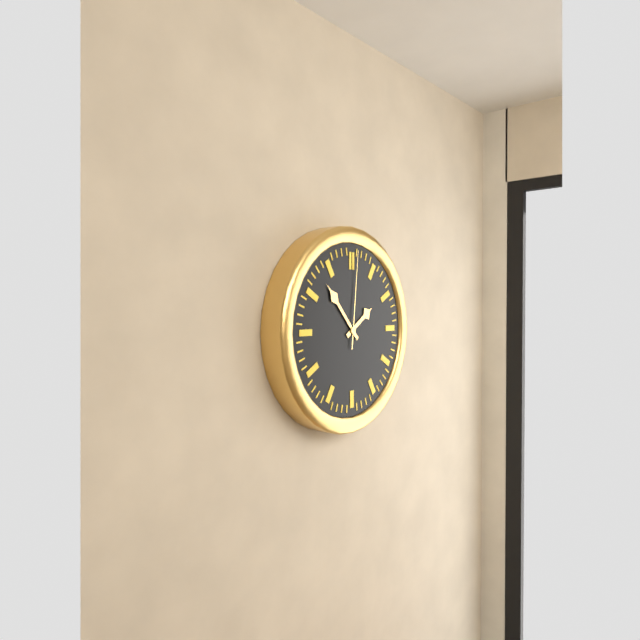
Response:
1.53.01
